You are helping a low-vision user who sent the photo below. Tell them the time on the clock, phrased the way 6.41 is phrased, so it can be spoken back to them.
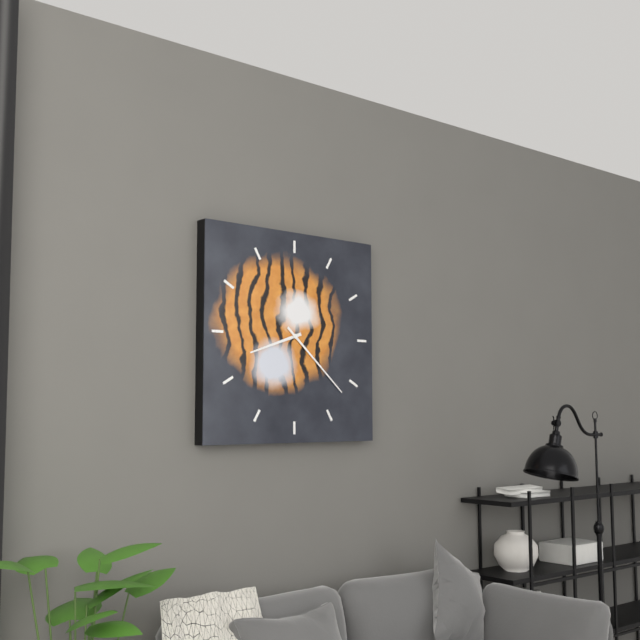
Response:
8.22
